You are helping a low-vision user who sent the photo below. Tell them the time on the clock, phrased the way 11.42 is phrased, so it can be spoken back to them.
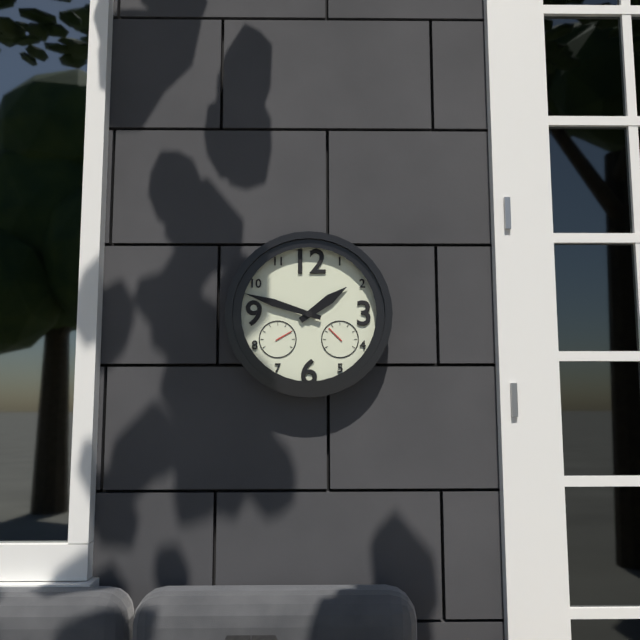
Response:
1.48
